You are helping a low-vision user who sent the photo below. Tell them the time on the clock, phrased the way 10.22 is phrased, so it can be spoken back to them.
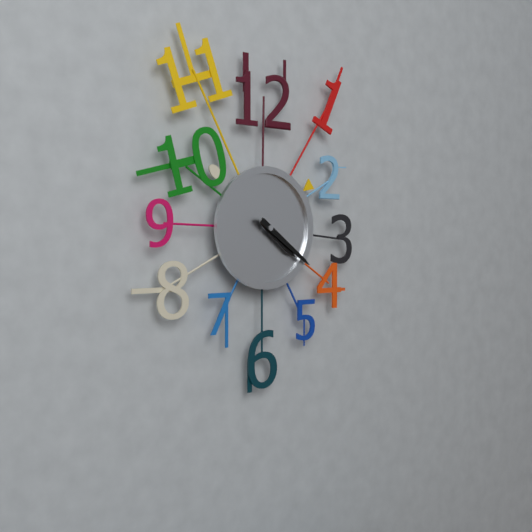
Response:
4.21
